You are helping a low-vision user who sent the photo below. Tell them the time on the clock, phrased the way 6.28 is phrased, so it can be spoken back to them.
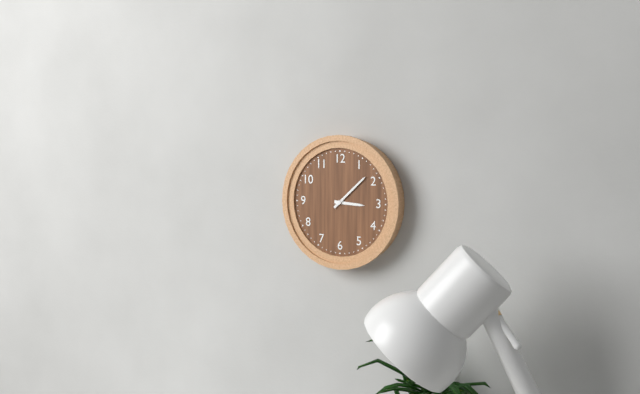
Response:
3.08
